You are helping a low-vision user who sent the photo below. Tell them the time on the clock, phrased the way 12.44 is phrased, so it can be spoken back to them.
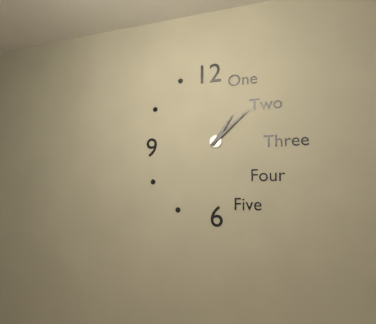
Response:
1.08
